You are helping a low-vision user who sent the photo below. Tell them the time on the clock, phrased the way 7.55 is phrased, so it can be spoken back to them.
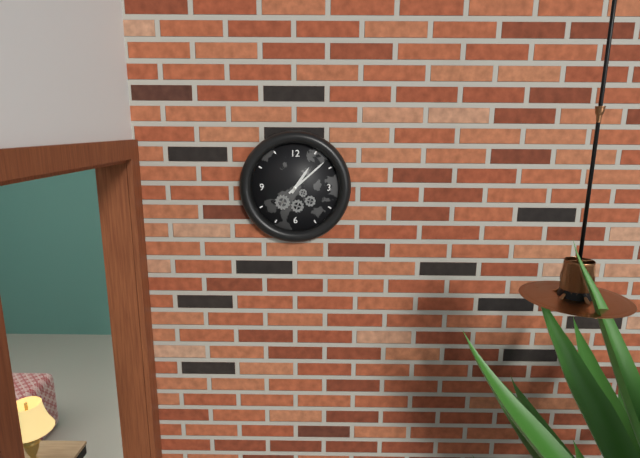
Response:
1.08
